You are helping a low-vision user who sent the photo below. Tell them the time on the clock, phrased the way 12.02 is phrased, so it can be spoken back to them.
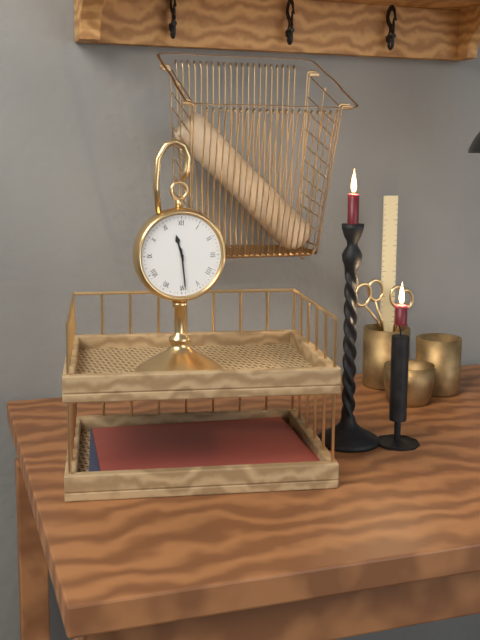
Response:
11.29
